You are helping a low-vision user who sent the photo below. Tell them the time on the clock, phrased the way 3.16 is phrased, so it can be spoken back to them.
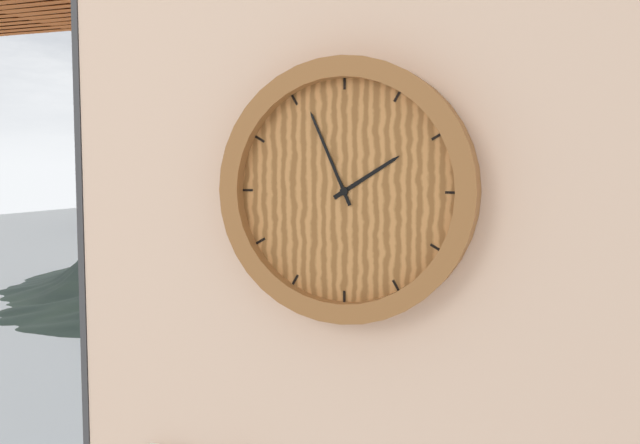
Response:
1.56
